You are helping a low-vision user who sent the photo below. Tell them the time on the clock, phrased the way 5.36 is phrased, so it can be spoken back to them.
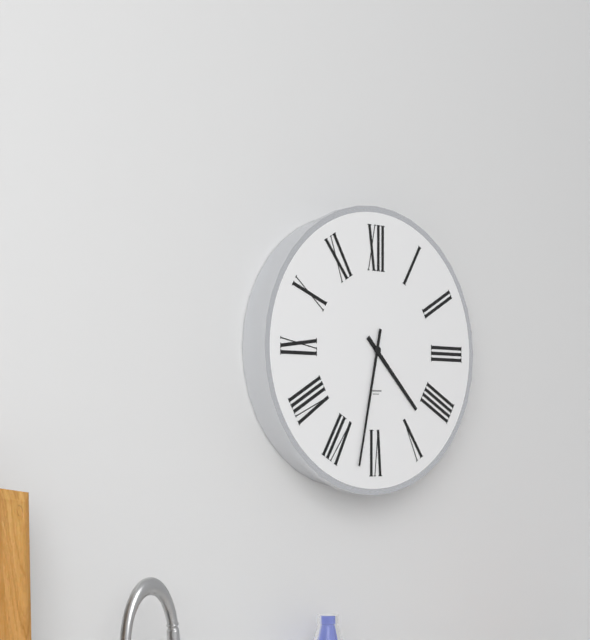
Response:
4.32
